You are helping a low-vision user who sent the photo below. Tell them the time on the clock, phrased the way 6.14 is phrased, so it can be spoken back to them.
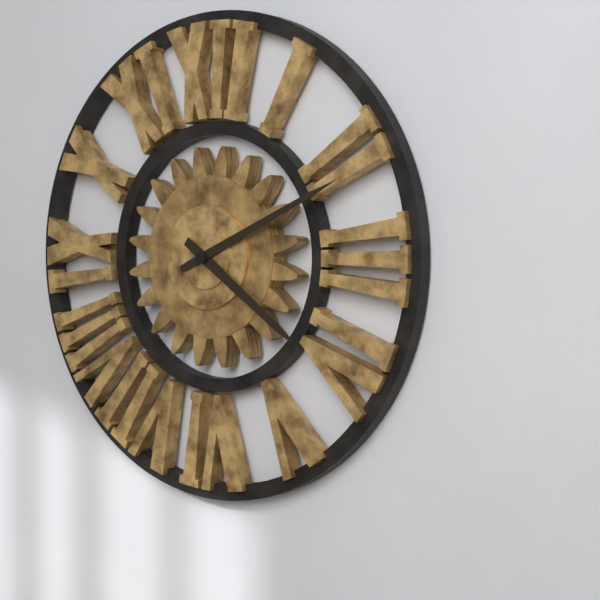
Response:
4.11
